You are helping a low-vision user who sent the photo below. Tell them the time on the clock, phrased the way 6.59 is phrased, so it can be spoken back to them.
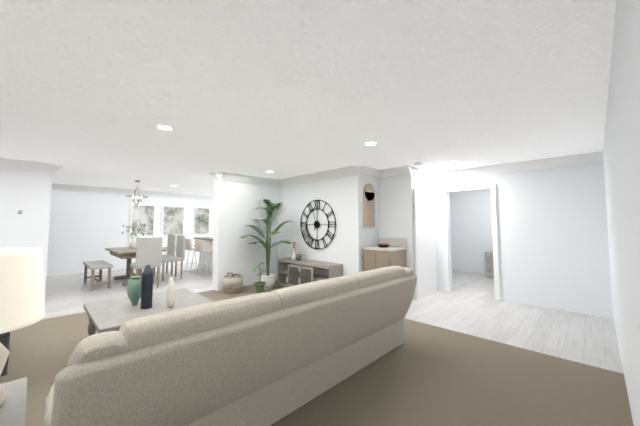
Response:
6.57
